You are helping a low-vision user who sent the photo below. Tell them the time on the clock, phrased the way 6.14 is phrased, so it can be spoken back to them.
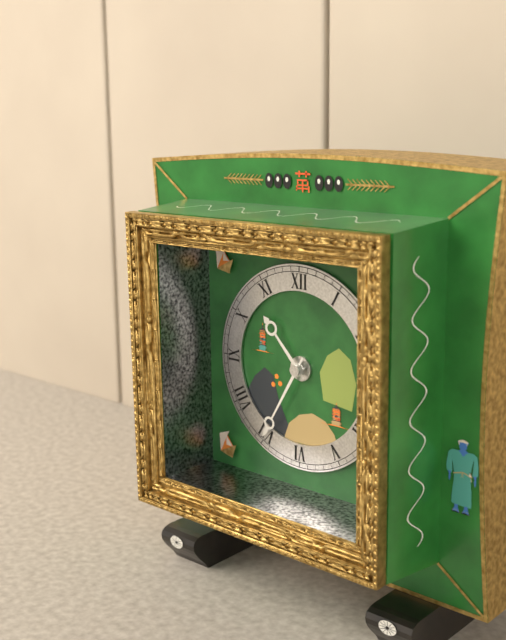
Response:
10.35
